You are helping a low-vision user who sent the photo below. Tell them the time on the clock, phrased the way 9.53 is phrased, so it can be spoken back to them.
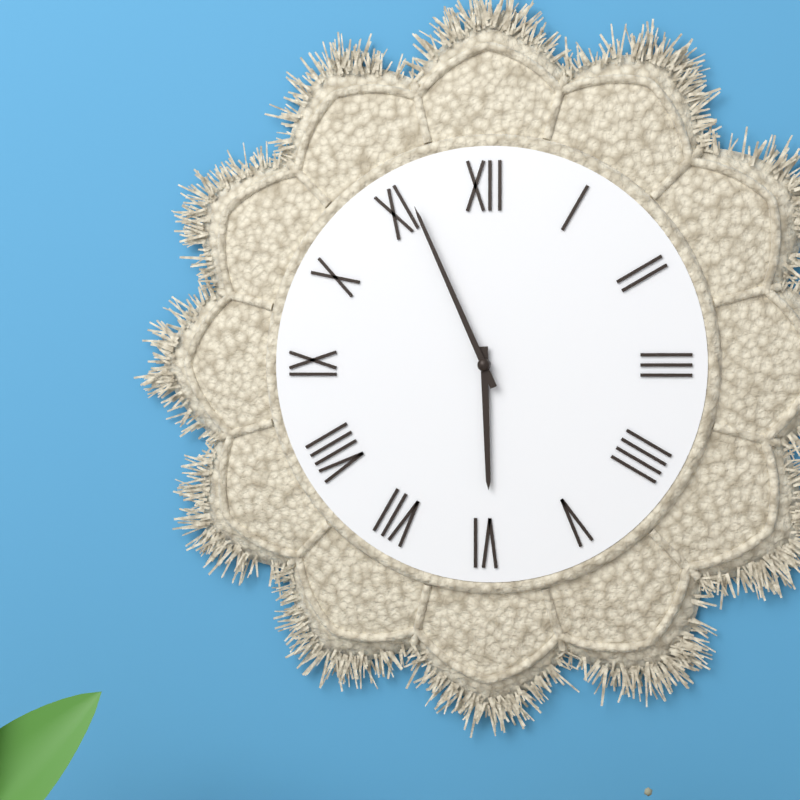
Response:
5.56
